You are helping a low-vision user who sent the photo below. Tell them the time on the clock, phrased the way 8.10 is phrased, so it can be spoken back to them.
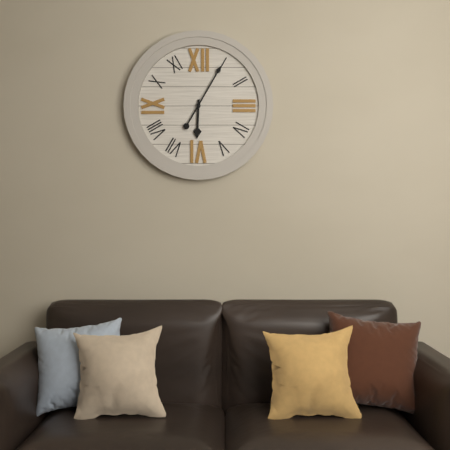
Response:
6.05
